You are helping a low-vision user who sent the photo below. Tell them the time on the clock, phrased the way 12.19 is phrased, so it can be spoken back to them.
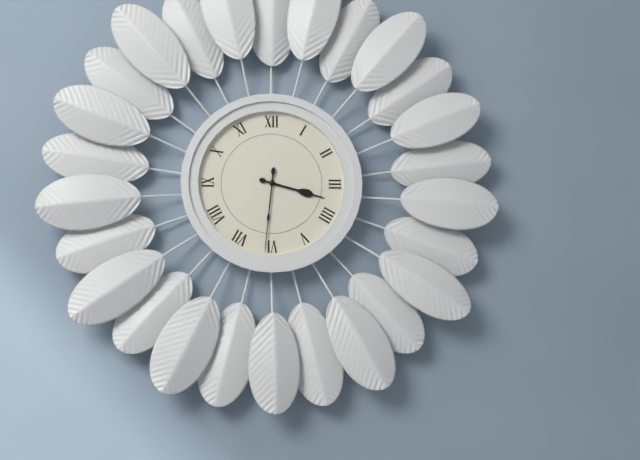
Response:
3.31
